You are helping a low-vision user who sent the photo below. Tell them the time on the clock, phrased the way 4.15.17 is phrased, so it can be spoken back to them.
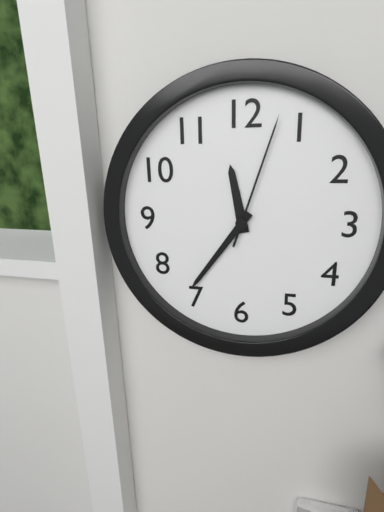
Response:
11.36.03
